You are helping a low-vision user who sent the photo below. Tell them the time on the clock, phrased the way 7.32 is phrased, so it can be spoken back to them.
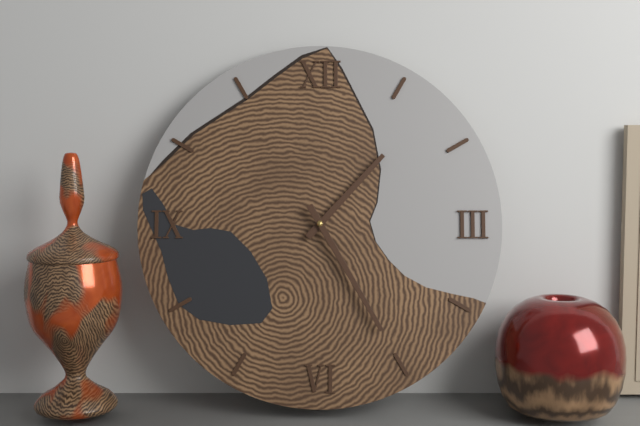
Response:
1.25
